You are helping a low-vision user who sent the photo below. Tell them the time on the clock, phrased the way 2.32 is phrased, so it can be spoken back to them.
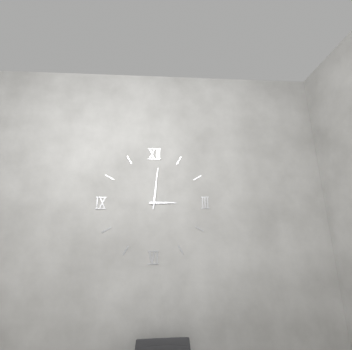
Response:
3.01
